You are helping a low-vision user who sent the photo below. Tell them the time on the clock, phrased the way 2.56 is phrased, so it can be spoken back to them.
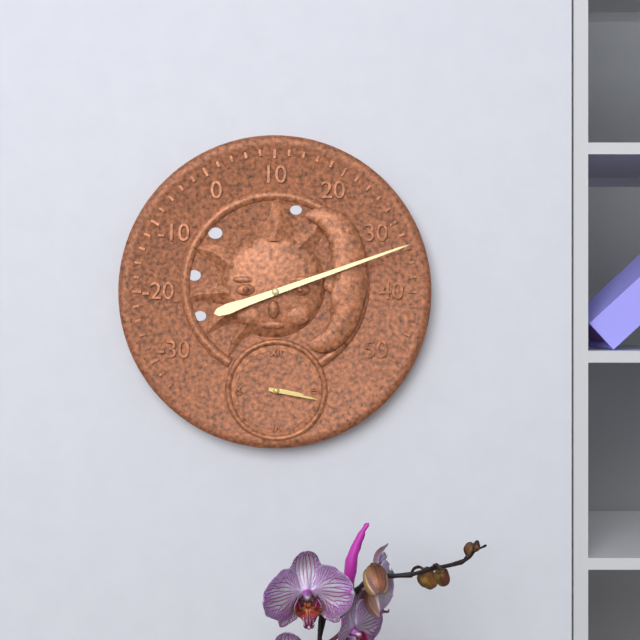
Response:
3.17
